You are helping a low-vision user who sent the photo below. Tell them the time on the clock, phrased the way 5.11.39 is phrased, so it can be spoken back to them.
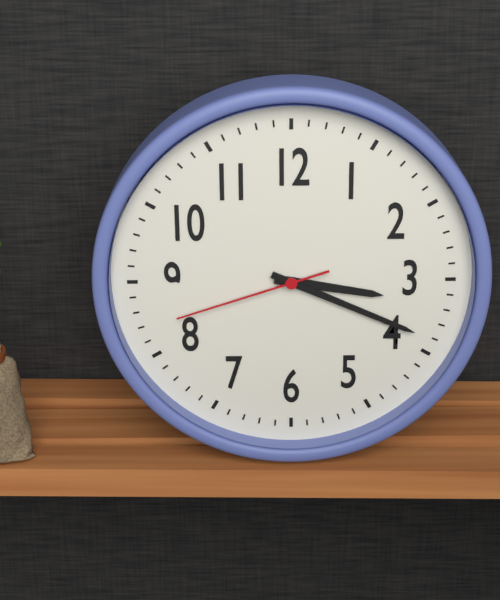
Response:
3.19.42
